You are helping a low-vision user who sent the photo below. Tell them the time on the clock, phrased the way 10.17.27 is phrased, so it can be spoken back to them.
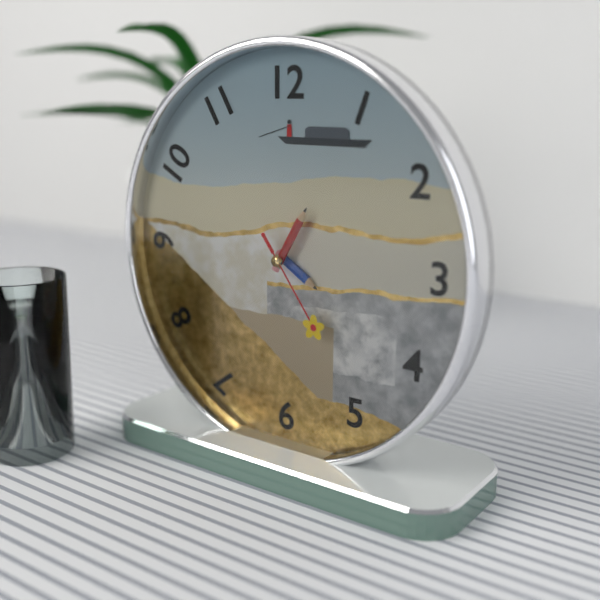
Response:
4.05.24
